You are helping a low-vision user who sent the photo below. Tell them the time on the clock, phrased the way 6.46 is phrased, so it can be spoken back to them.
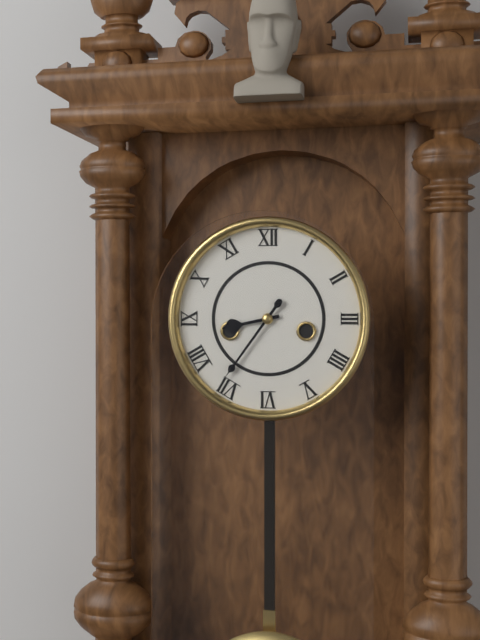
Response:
8.36
